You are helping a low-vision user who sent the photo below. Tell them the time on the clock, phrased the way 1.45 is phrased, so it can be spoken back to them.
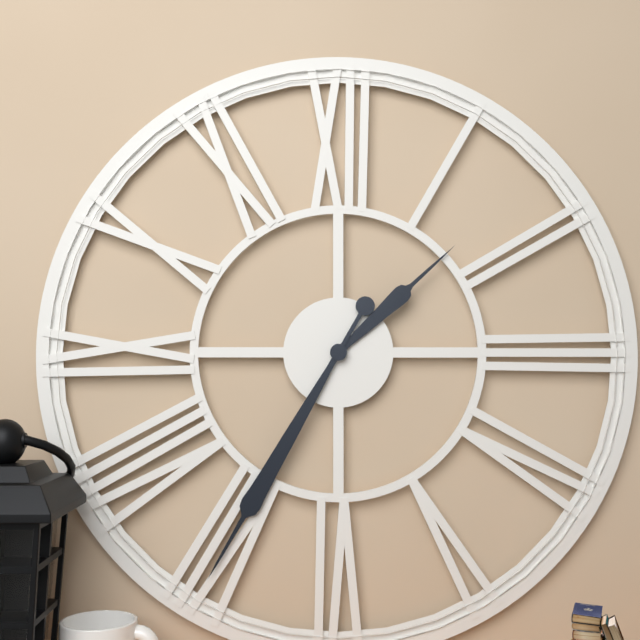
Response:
1.35
